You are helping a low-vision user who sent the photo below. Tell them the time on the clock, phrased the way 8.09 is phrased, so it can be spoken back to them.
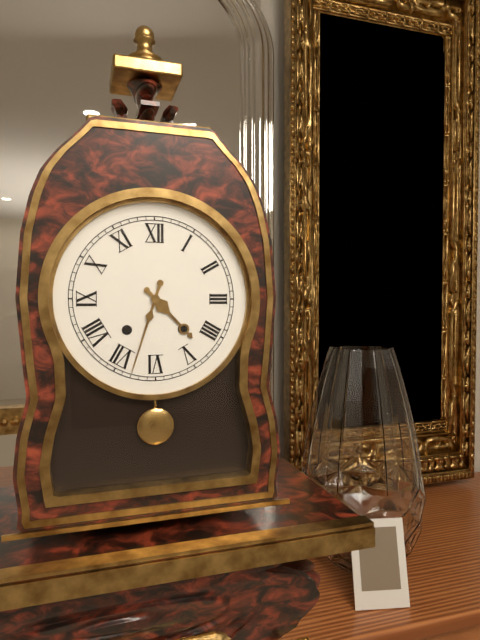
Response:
4.33
